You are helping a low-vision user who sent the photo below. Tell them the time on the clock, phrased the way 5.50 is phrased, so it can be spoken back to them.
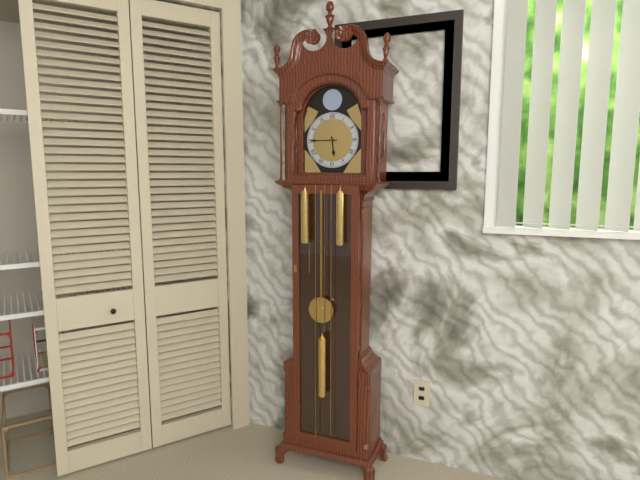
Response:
5.45
